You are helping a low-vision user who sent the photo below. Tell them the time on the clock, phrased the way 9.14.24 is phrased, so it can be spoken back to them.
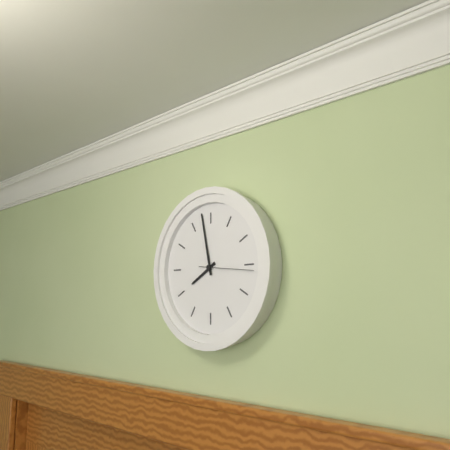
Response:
7.58.16
